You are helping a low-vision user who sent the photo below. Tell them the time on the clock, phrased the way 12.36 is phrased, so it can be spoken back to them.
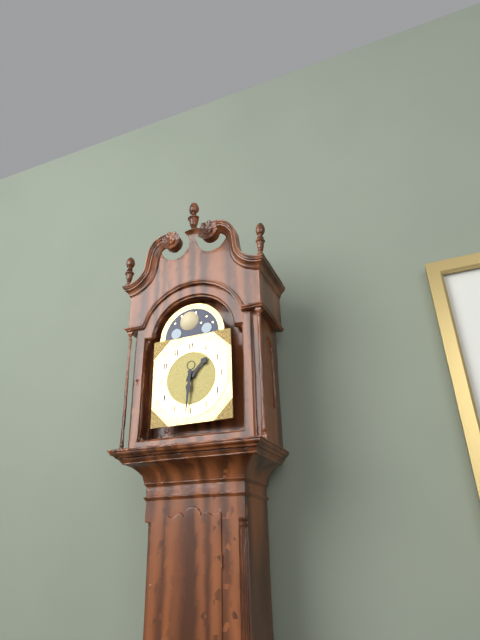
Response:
1.31
